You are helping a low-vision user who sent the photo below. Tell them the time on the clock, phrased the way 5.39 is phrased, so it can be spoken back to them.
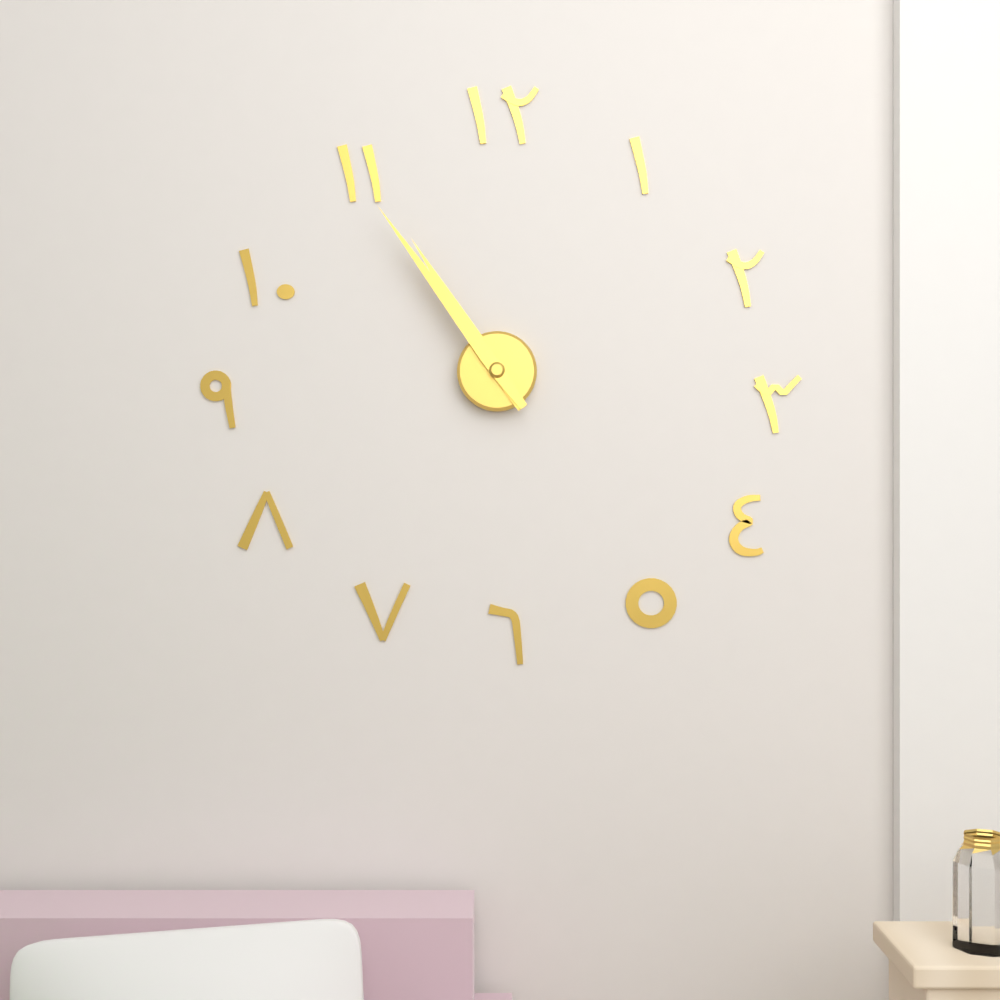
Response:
10.54
